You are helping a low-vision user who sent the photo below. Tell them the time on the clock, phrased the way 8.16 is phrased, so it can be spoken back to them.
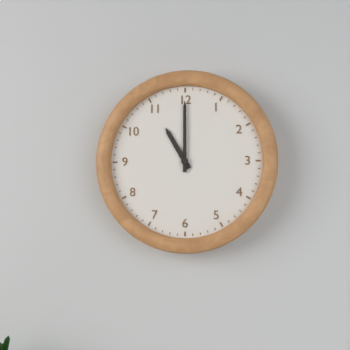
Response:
11.00
